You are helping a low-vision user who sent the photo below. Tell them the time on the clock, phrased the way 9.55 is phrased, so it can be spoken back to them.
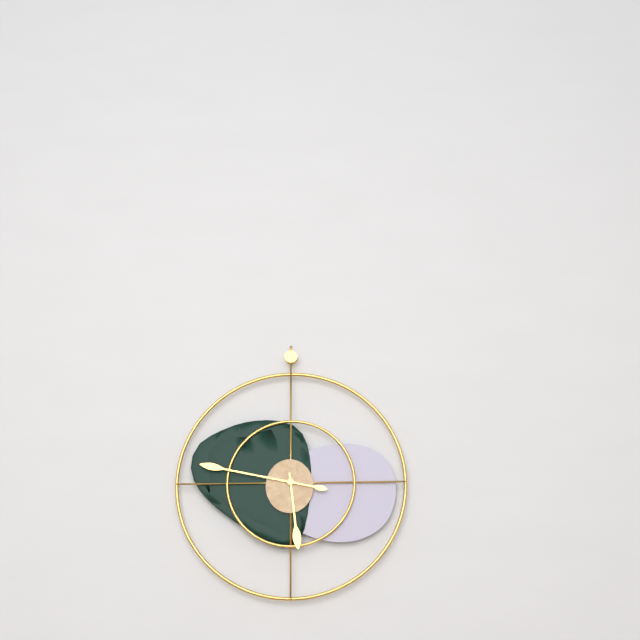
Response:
5.47
